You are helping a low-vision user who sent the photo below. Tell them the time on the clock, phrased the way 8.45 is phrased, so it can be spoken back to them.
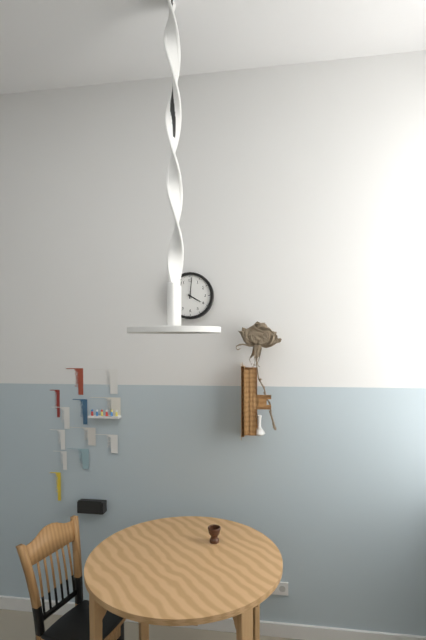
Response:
4.01
